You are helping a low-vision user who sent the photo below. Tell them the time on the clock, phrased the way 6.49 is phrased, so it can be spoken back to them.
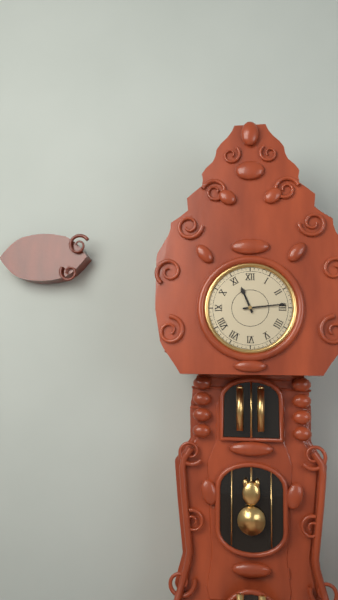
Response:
11.14
